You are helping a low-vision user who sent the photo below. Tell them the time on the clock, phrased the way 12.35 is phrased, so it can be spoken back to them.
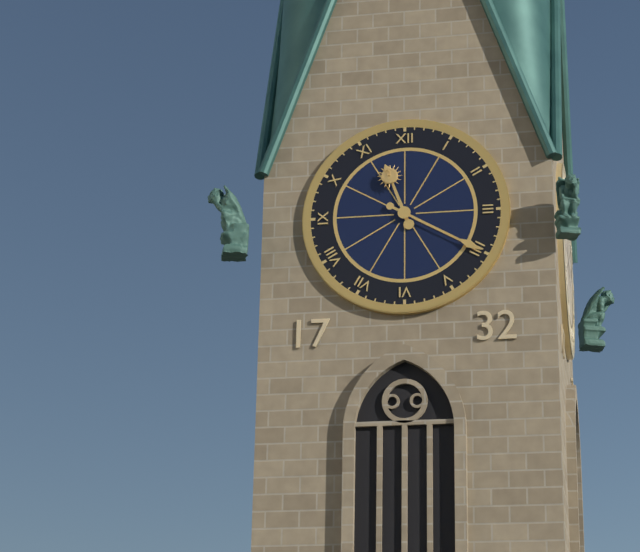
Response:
11.20
